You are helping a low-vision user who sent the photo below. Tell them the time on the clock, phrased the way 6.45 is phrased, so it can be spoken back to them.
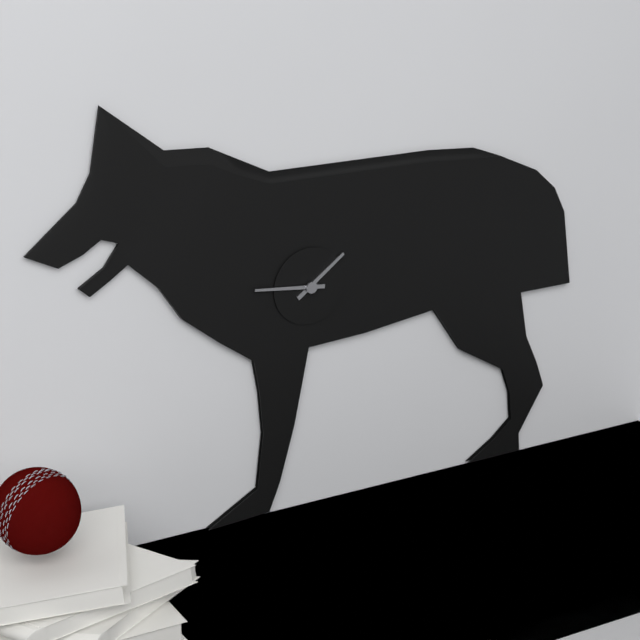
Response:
1.46
